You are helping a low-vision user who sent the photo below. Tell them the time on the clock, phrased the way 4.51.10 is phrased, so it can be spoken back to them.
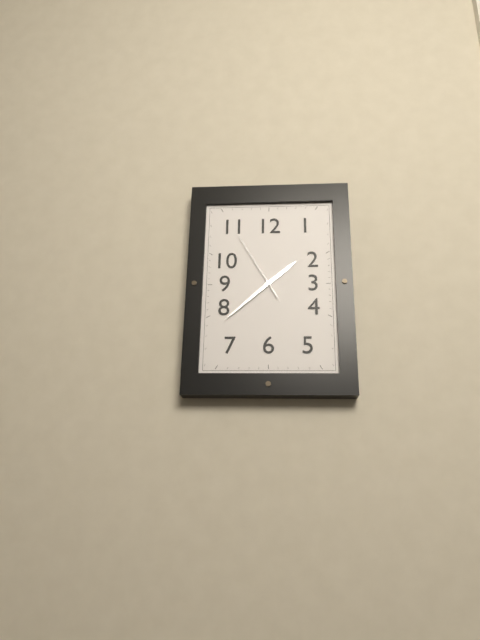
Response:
1.38.55
